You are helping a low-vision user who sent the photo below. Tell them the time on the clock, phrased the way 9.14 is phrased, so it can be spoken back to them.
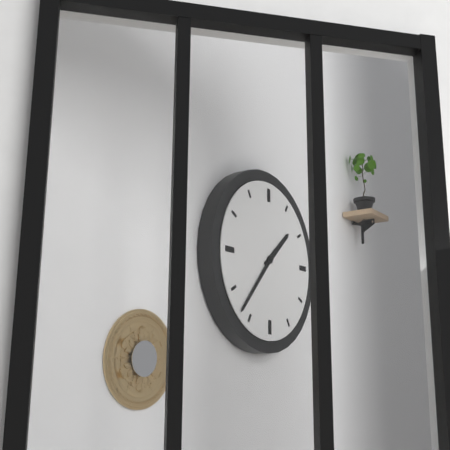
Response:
1.37
